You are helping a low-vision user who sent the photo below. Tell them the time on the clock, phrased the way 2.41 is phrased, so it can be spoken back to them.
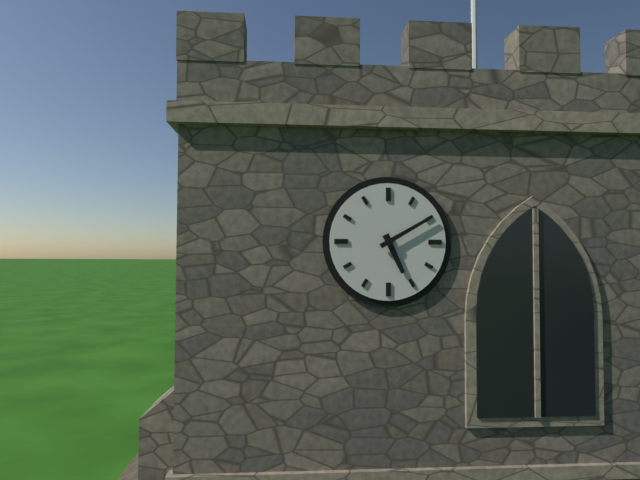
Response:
5.10
